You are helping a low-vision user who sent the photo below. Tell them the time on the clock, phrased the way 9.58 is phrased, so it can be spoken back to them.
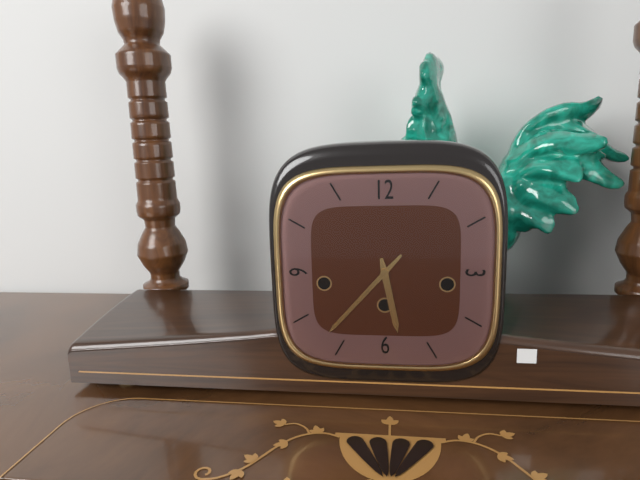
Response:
5.37
